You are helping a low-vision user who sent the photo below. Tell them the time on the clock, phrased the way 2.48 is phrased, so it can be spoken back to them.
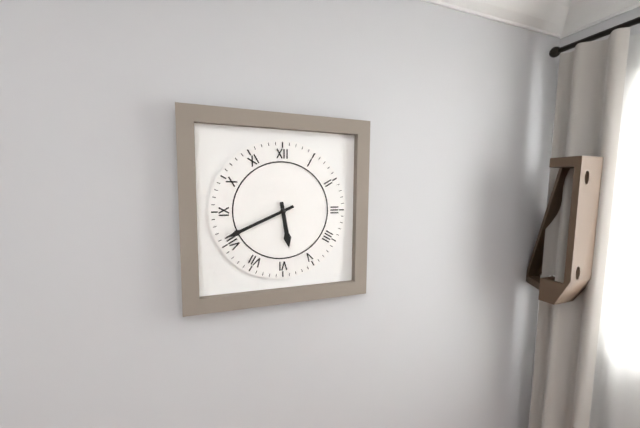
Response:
5.41
